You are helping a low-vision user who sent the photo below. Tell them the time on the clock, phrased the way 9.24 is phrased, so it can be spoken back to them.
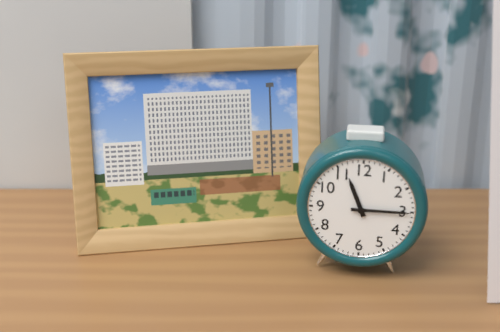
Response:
11.15
